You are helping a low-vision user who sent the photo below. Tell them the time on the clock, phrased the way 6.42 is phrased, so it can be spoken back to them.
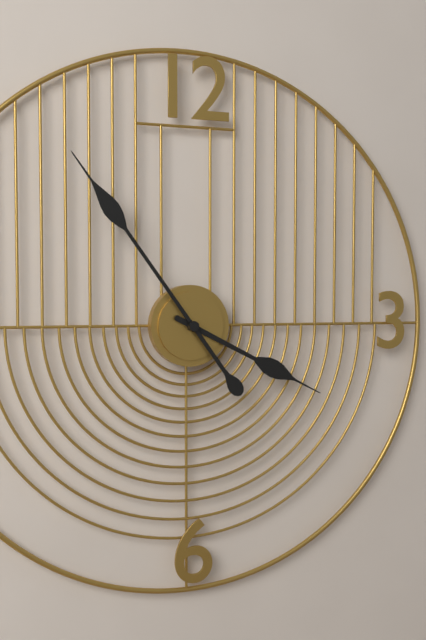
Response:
3.54
